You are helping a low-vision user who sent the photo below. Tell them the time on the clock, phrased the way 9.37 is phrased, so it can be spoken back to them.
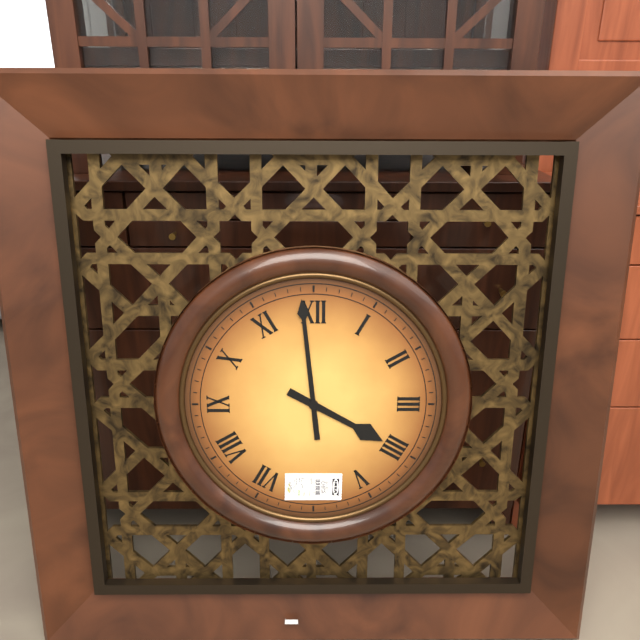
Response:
3.59
